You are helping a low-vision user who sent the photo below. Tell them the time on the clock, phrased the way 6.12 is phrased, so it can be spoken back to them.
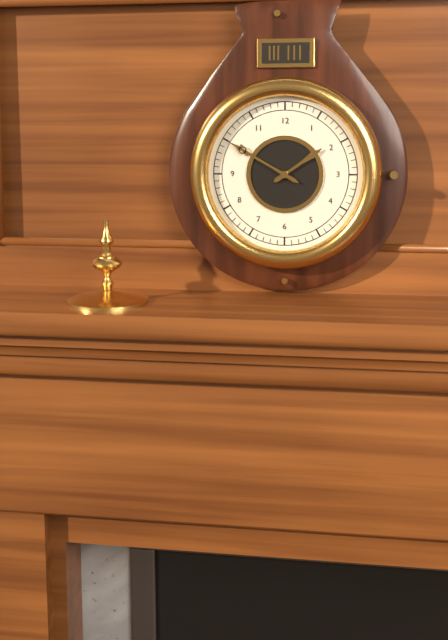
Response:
1.50
